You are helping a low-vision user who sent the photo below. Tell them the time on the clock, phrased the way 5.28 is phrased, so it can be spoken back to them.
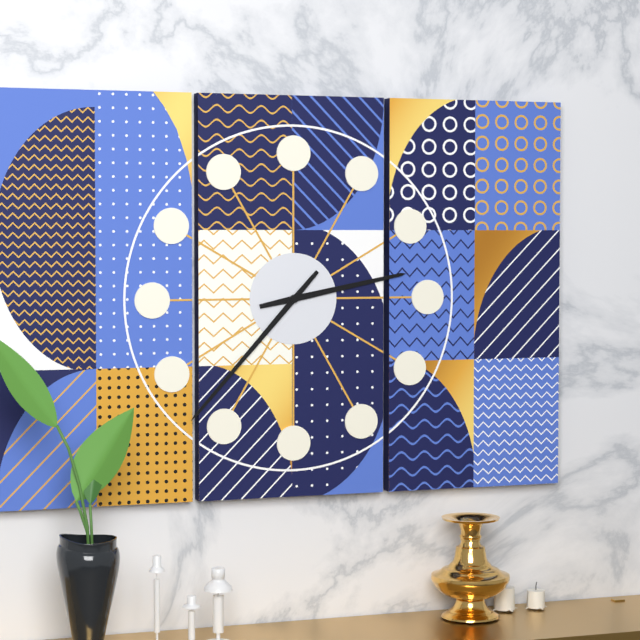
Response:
2.37
